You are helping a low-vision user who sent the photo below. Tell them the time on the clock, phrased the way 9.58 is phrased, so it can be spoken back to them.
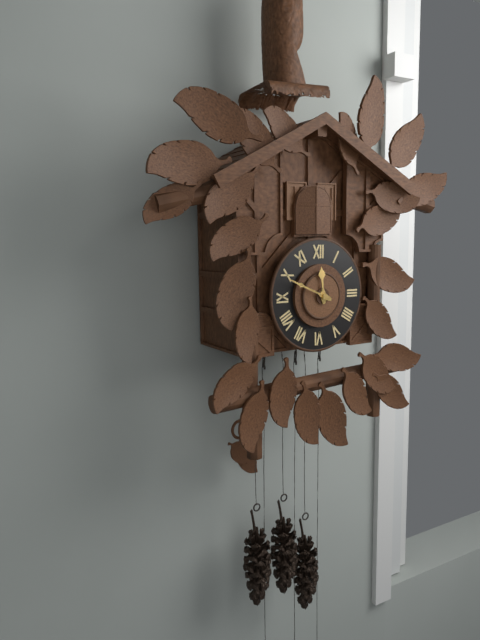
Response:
11.49
